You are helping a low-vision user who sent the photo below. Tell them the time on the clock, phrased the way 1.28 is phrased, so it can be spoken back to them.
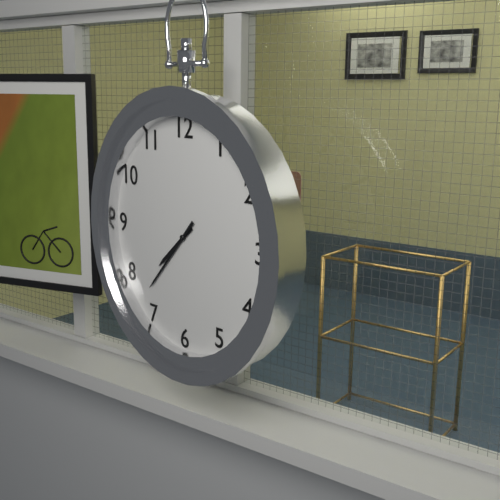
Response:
7.37
